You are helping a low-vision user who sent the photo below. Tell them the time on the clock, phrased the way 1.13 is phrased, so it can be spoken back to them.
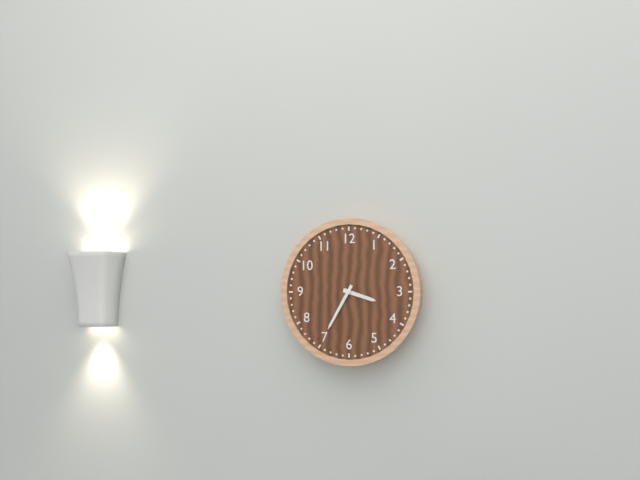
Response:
3.35
